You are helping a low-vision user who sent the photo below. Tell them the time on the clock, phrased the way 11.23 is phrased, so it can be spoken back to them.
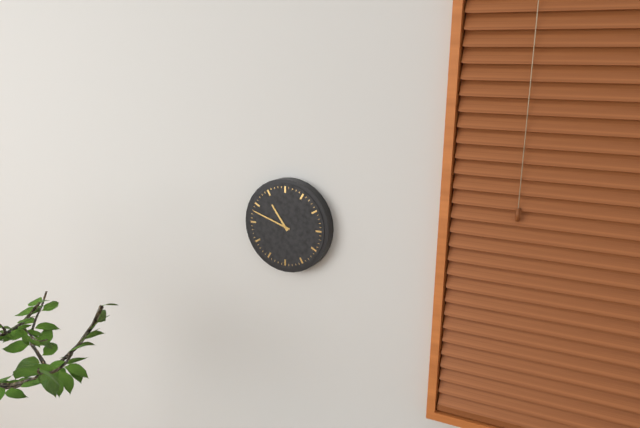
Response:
10.48
